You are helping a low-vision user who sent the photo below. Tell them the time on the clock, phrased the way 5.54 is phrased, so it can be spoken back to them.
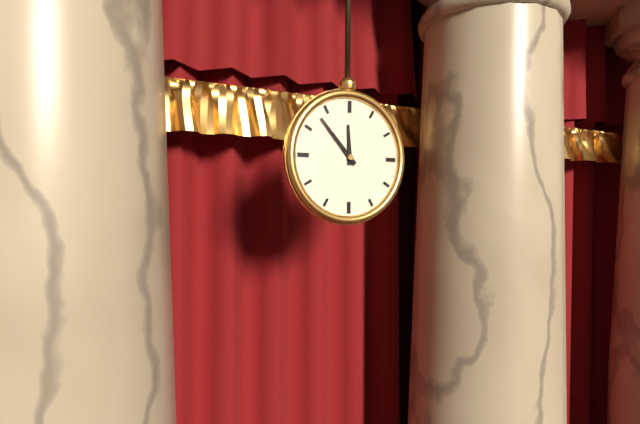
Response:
11.53
